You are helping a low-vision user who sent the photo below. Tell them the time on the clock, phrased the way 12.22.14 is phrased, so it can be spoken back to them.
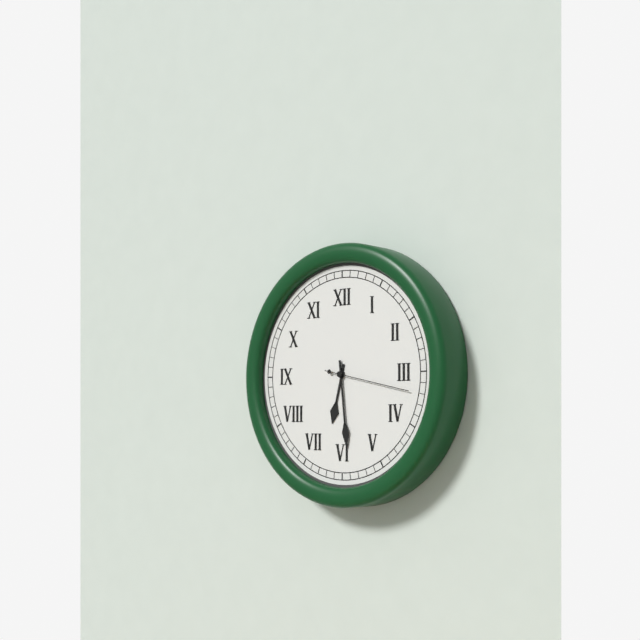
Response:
6.29.17
